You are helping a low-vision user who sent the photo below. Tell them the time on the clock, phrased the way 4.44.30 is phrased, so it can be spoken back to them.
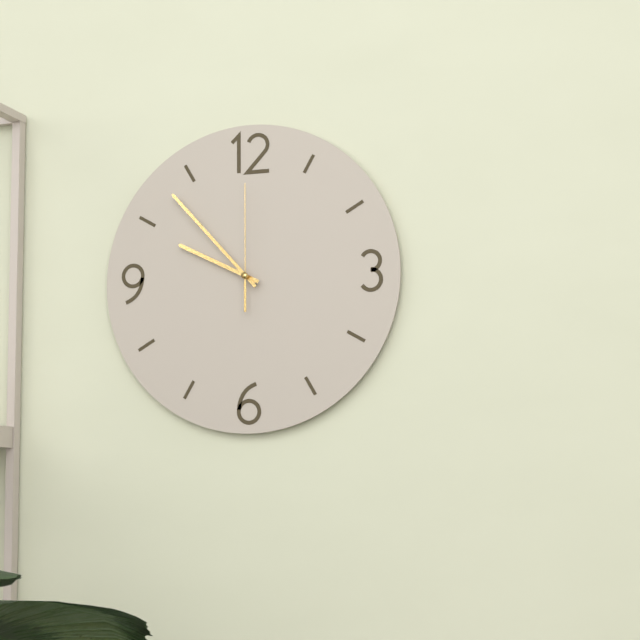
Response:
9.53.00
